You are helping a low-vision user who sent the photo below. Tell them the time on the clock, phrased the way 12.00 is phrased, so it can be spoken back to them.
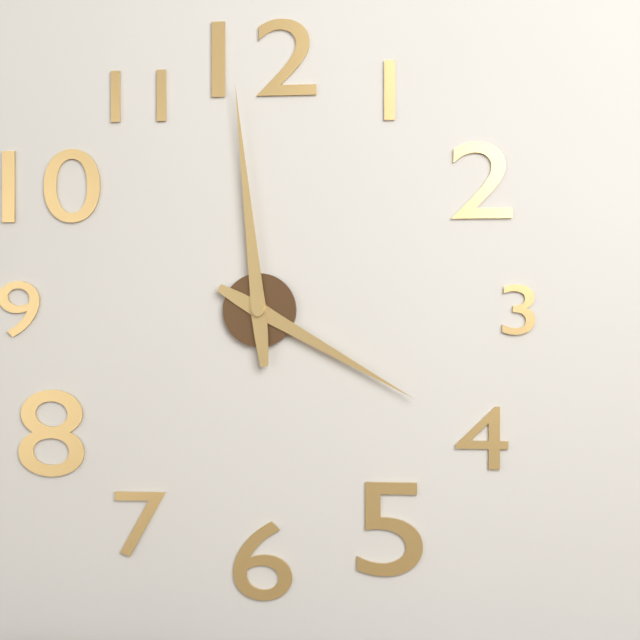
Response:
3.59
